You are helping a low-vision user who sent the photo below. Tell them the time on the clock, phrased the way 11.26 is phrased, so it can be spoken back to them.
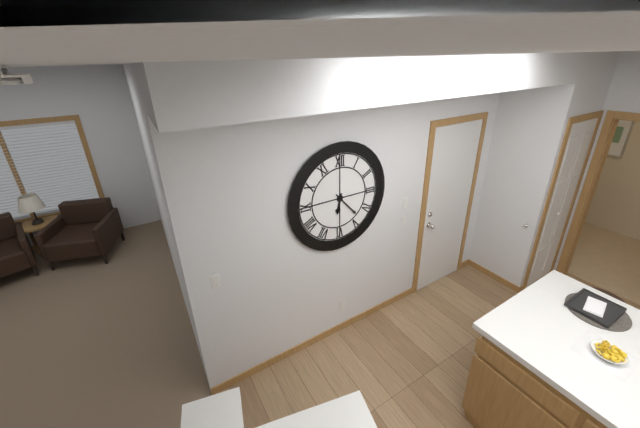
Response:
6.23
